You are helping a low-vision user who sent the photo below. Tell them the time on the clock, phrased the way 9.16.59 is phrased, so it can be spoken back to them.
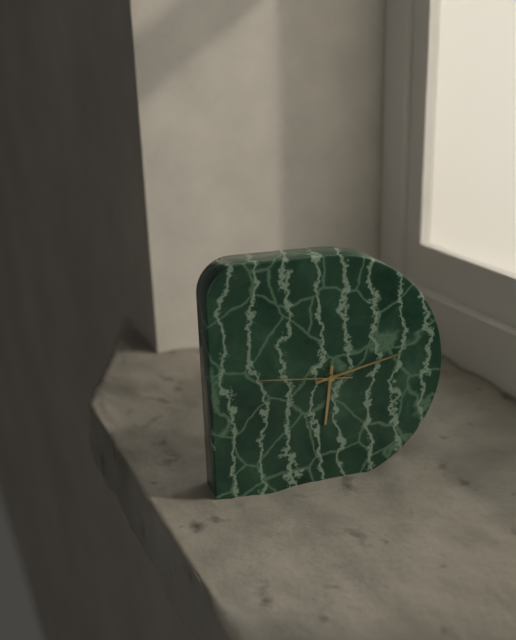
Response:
6.13.46
